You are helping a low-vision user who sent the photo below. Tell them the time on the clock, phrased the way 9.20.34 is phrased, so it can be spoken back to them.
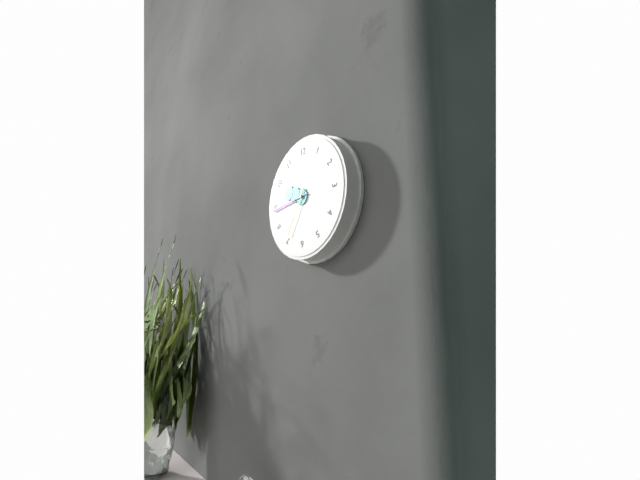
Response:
9.44.35
